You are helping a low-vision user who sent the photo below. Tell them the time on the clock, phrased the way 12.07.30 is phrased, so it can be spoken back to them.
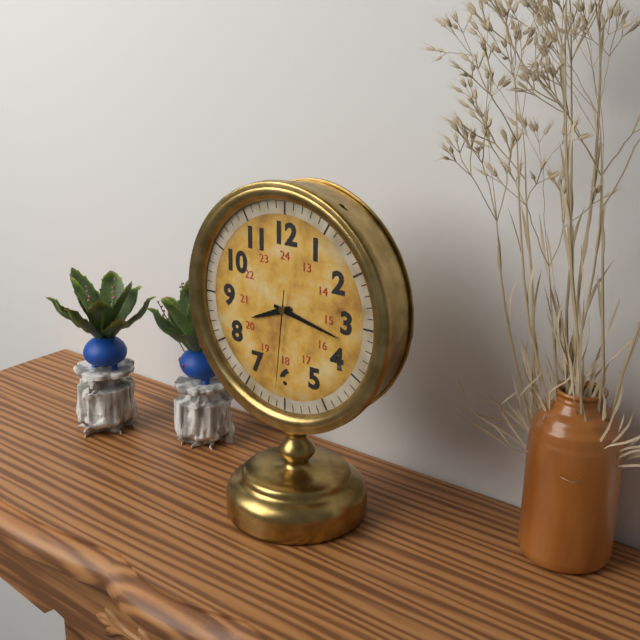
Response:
8.17.31
